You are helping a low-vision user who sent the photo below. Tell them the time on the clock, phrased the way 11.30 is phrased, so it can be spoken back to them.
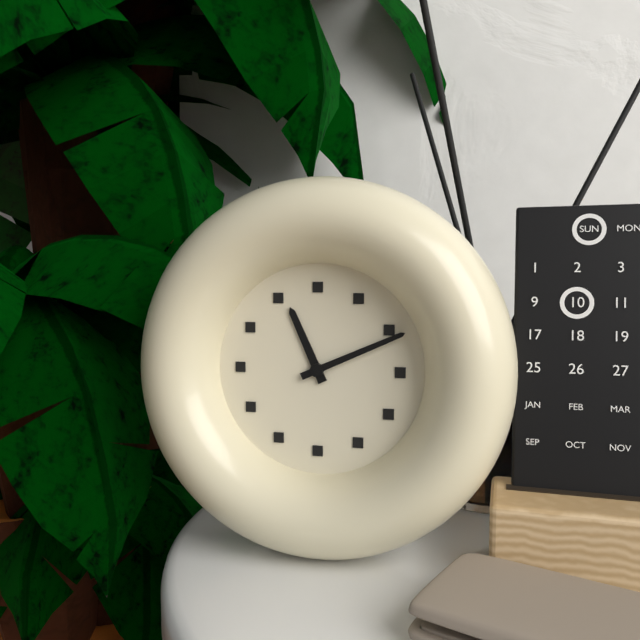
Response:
11.11
